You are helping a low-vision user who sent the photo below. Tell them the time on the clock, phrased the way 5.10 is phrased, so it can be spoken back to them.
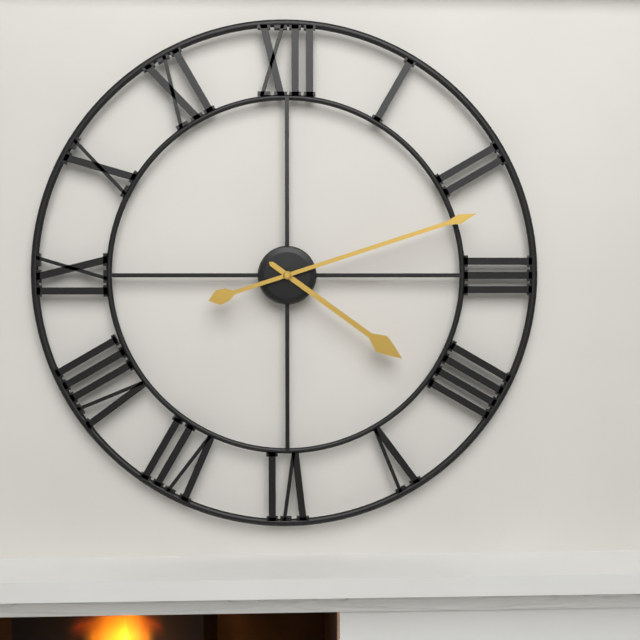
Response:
4.12
